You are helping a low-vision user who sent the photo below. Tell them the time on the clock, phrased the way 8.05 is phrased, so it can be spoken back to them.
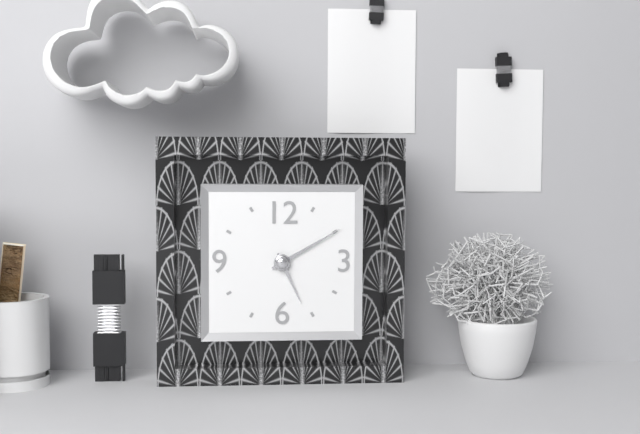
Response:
5.10
